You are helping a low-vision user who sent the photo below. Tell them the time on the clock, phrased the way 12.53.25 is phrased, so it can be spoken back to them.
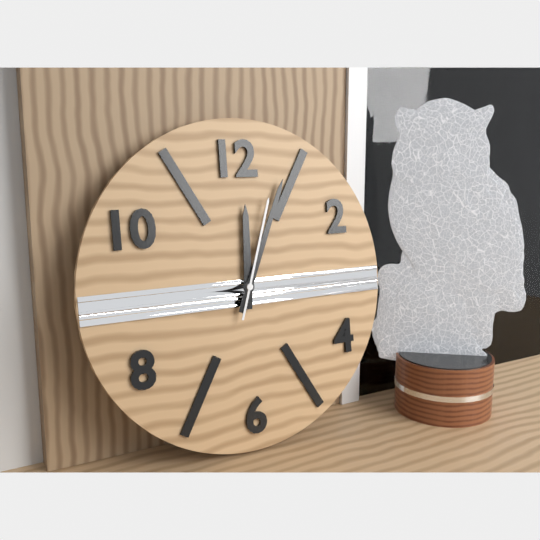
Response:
12.04.03
